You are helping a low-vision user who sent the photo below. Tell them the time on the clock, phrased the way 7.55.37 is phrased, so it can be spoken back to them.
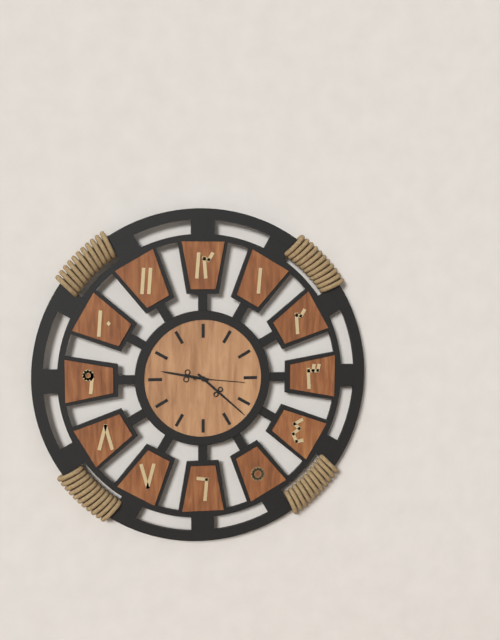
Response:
9.22.16
